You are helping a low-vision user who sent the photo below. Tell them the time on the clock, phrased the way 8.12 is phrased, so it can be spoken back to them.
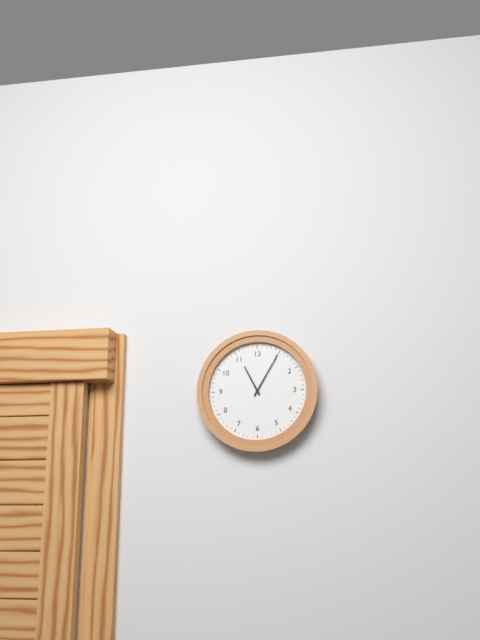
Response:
11.05
